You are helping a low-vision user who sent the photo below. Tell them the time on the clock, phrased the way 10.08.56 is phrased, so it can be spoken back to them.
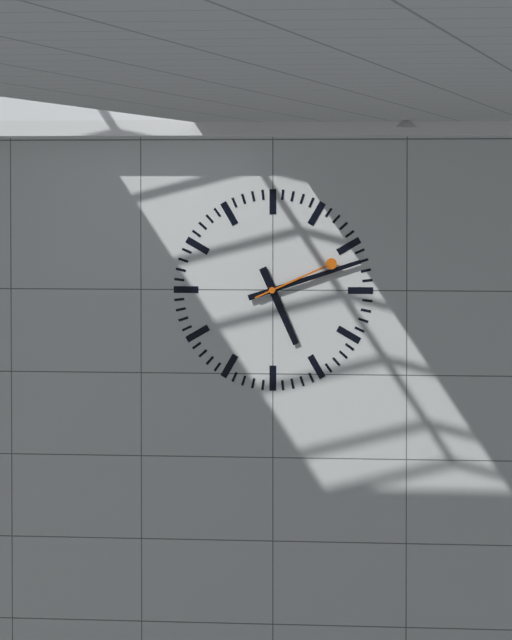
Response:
5.12.11
